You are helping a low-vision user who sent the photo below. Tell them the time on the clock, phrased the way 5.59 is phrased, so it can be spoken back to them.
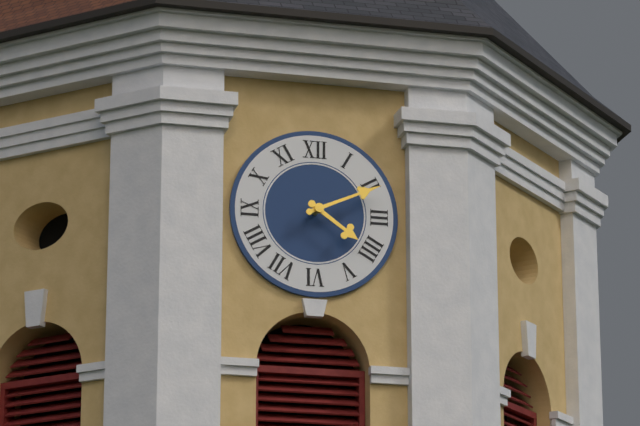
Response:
4.11
